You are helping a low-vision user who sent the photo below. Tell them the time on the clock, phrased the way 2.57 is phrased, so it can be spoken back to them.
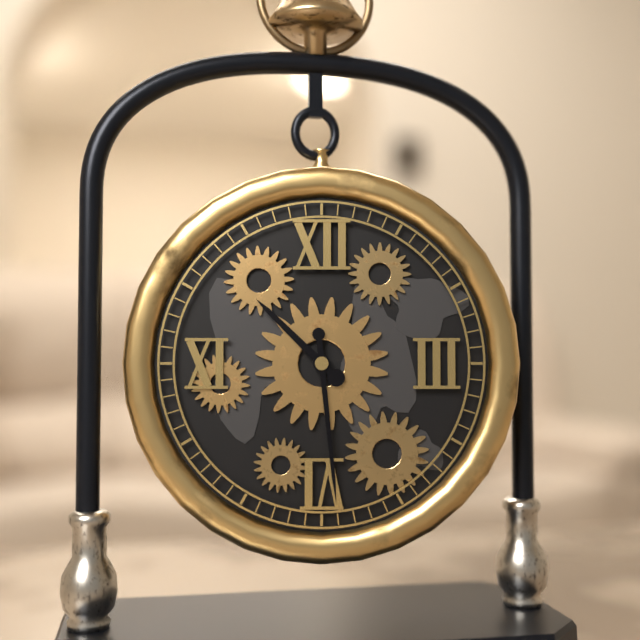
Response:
10.29
